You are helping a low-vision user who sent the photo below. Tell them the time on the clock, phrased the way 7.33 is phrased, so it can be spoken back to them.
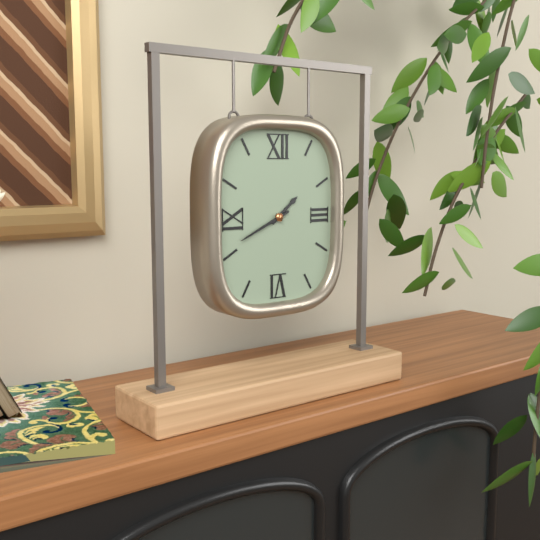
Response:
1.41
